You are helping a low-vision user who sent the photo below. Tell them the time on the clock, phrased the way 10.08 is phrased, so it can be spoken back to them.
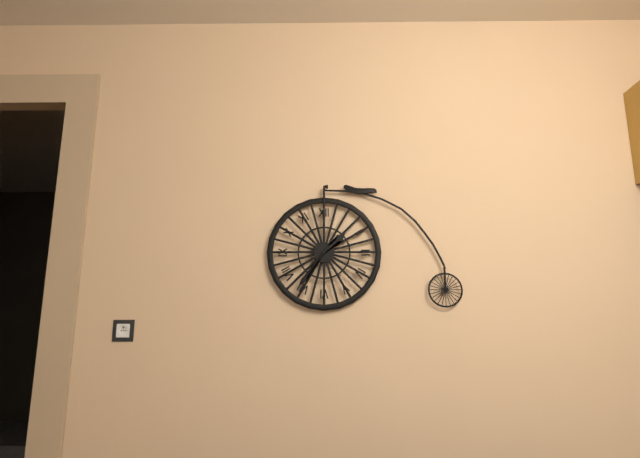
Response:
1.36
